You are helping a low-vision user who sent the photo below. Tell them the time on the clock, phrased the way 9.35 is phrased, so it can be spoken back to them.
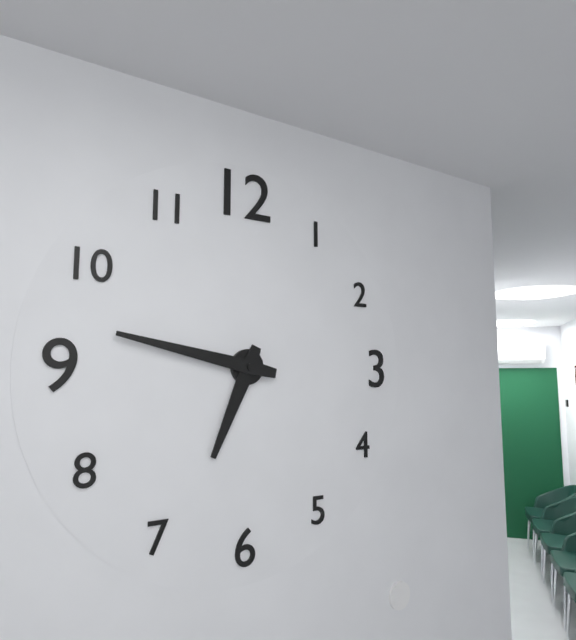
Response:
6.47
